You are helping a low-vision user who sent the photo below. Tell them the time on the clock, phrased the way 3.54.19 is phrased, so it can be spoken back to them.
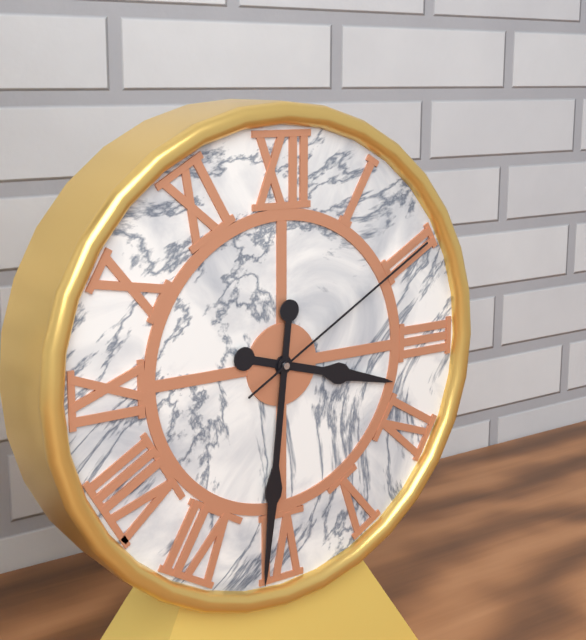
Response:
3.31.10
